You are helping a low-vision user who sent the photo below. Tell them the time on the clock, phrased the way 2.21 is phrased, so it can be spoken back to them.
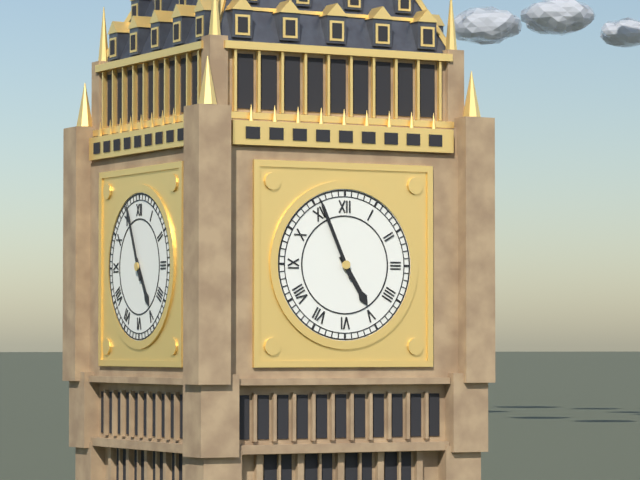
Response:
4.56
